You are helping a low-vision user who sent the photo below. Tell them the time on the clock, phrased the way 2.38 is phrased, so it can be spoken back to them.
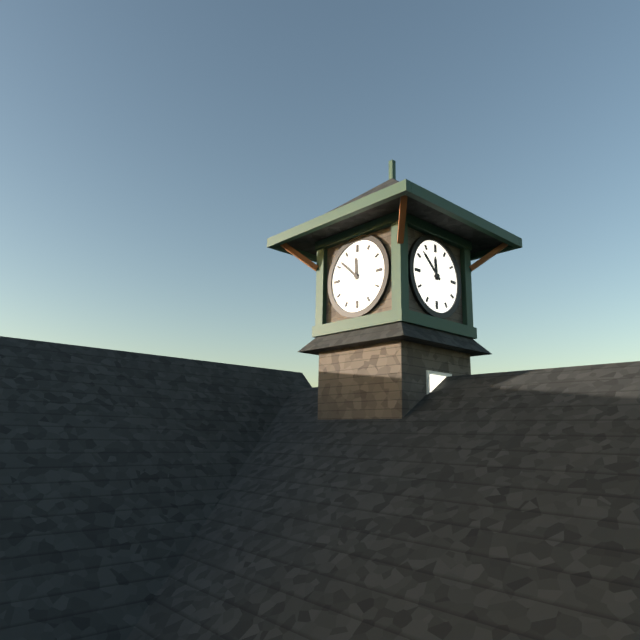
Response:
11.52
